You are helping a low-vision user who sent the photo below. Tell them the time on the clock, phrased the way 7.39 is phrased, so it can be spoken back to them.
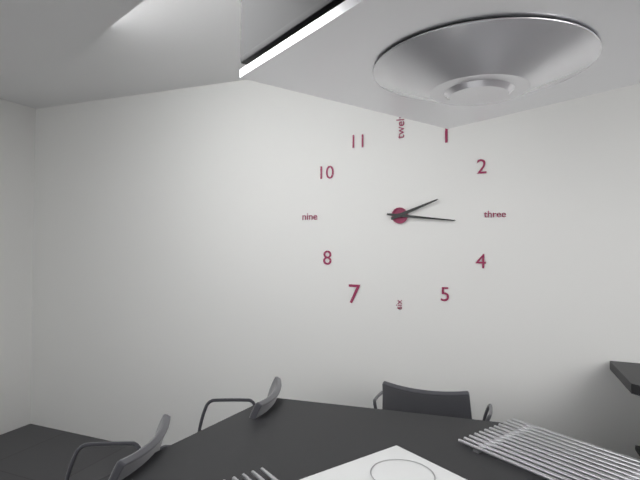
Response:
2.16
